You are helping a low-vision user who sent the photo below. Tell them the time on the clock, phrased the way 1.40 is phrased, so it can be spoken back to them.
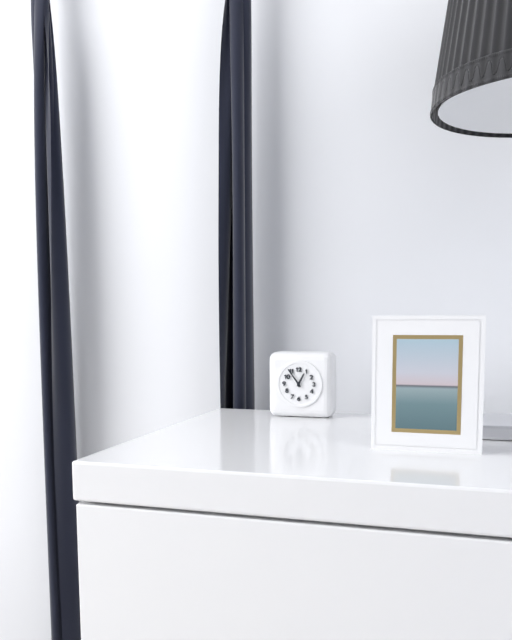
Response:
12.54
